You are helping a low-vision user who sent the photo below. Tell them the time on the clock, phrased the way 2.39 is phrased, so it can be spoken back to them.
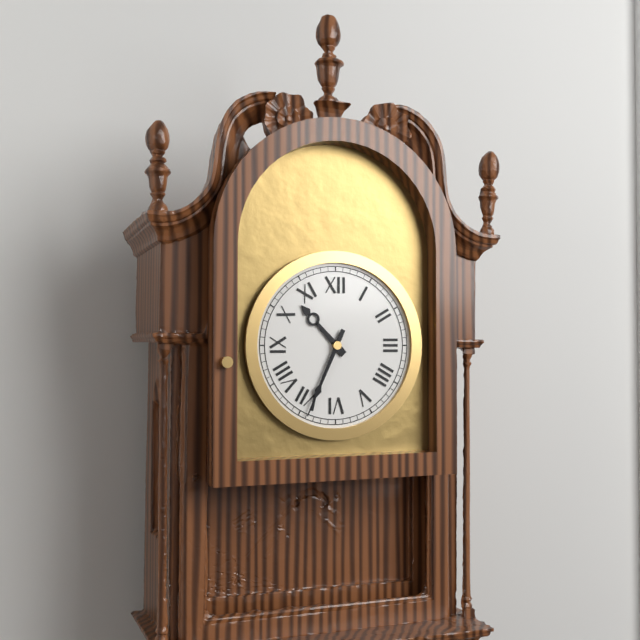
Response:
10.34
